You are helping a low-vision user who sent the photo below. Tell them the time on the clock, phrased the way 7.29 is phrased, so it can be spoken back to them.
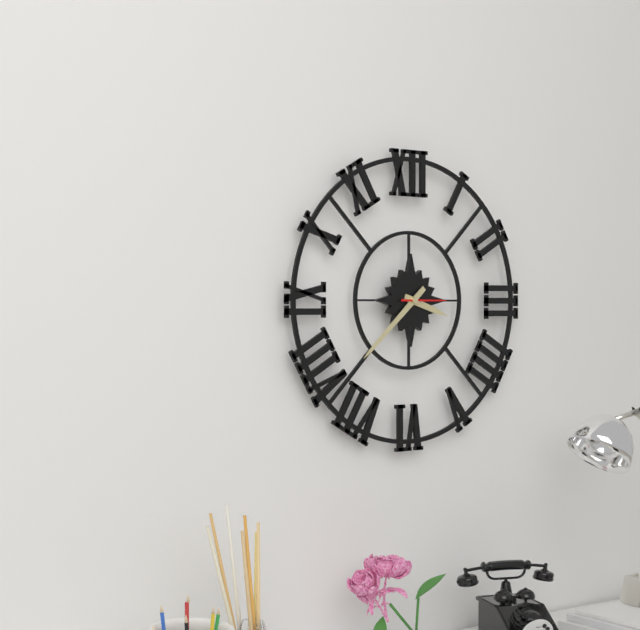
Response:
3.38
